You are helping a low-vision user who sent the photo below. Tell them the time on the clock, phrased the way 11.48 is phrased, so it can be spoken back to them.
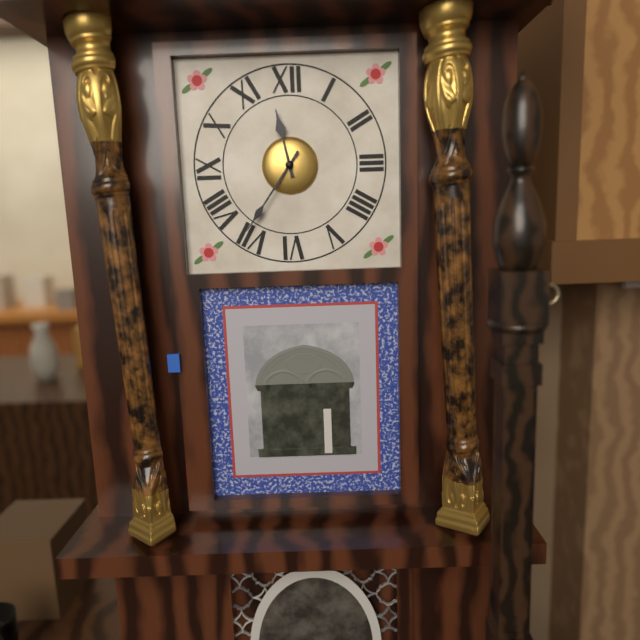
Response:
11.36
